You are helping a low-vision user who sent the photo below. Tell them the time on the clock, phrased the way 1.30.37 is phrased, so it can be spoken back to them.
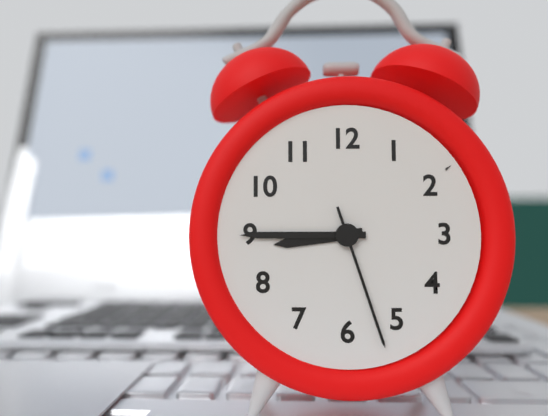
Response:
8.45.27
